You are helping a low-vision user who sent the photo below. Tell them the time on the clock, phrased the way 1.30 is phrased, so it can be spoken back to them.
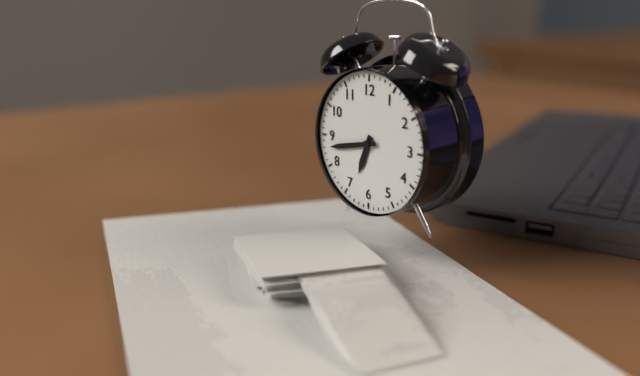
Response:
6.43
